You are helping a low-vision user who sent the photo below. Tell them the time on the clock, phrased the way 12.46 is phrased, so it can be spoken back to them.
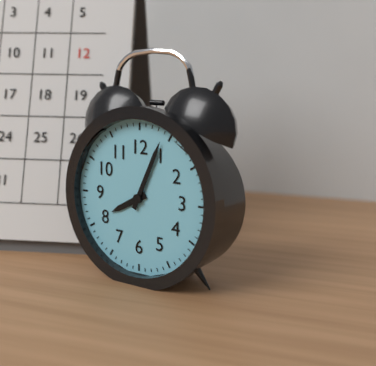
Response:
8.04
